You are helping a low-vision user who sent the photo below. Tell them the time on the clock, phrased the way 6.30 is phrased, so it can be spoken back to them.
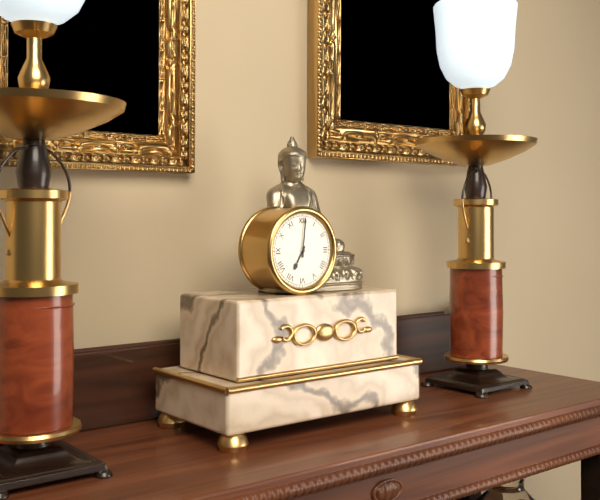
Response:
7.01
